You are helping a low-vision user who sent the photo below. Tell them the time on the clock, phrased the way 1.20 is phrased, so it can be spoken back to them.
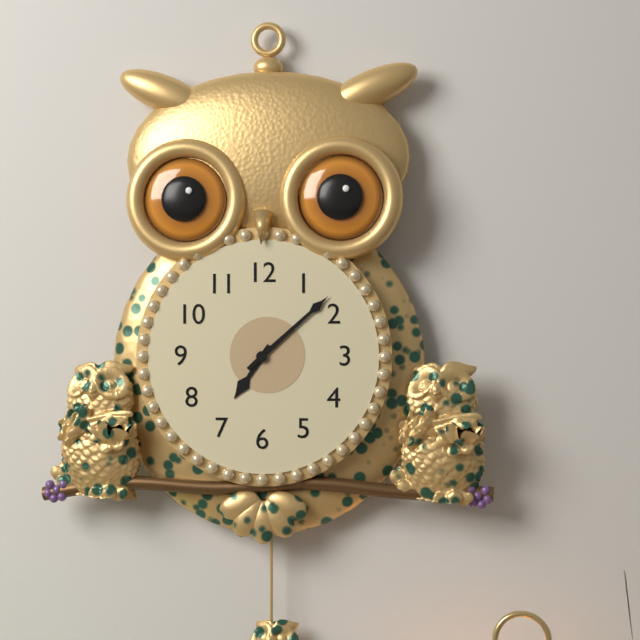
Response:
7.08
